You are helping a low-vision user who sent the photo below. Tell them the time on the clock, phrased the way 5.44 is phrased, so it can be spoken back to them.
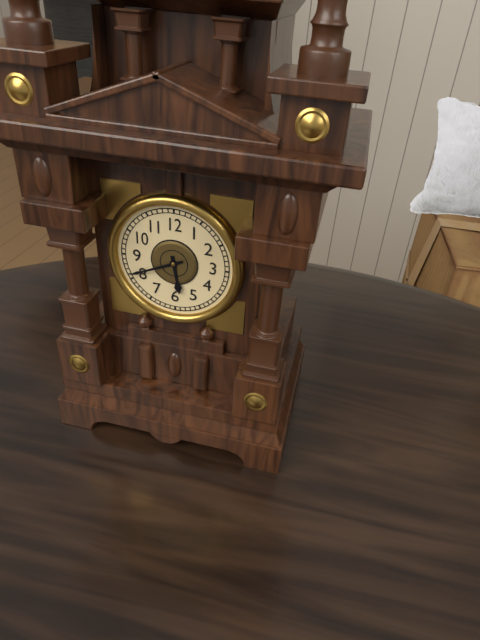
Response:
5.41
